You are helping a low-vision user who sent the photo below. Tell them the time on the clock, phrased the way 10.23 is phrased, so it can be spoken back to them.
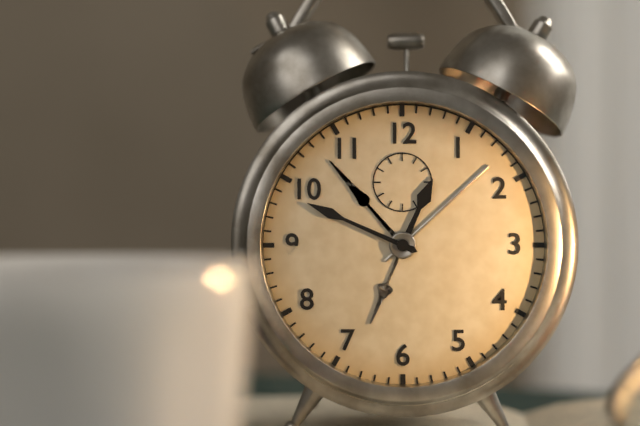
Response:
12.49
